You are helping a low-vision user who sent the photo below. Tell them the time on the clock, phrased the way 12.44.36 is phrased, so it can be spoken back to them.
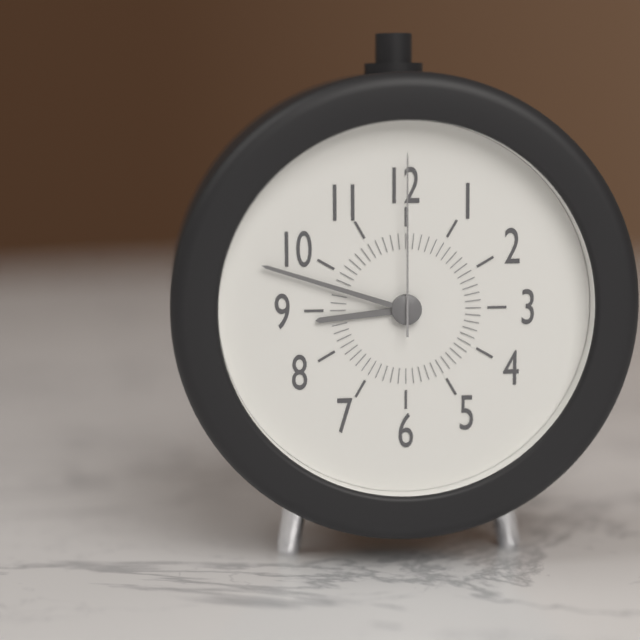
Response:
8.48.00
